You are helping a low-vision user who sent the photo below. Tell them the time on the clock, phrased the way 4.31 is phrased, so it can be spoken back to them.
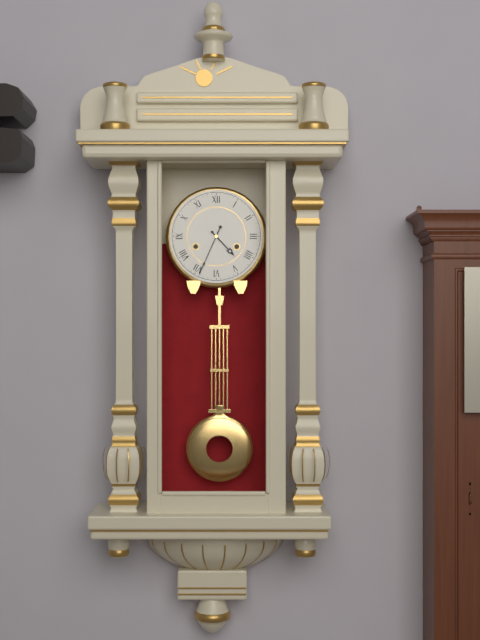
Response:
4.34
